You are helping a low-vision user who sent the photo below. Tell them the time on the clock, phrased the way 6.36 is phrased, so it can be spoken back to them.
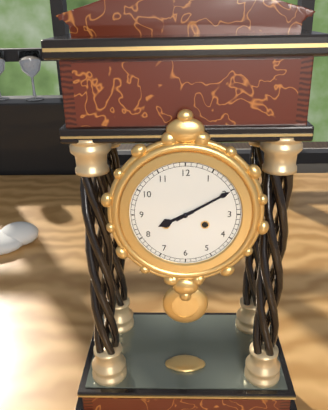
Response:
8.10
